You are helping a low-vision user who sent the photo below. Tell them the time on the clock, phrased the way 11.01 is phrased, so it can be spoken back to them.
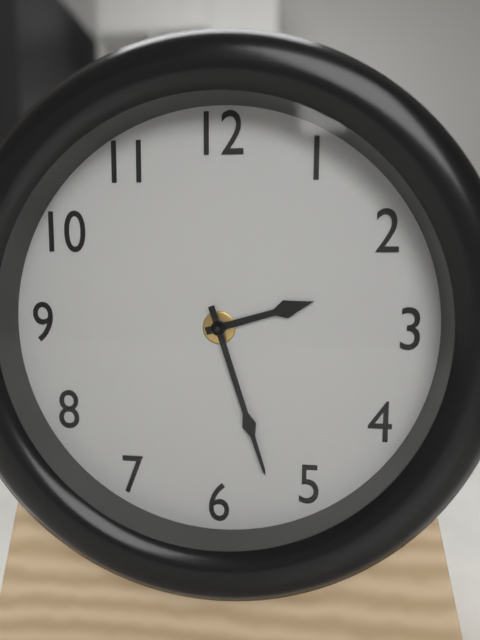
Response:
2.27
